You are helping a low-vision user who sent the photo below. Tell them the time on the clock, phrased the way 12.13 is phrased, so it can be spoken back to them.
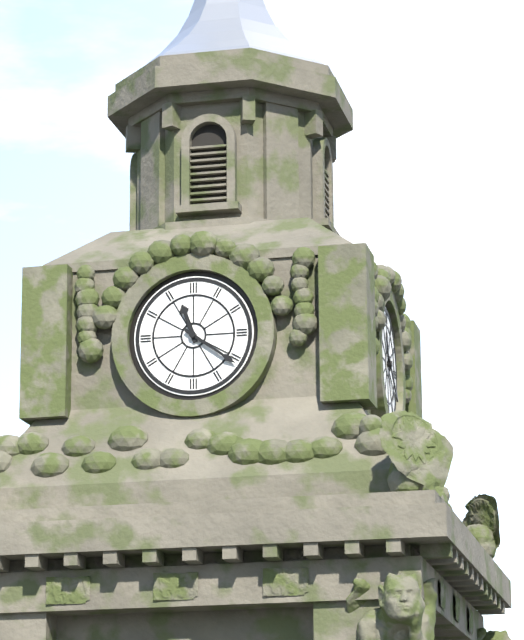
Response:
11.21
